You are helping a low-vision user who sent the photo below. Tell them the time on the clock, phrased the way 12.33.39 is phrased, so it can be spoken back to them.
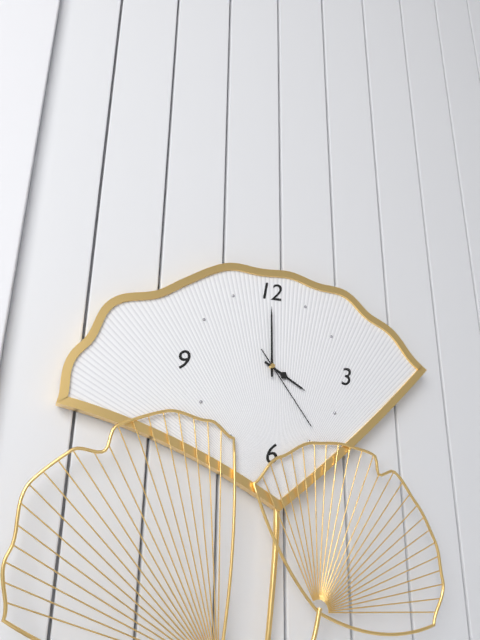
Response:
4.00.24
